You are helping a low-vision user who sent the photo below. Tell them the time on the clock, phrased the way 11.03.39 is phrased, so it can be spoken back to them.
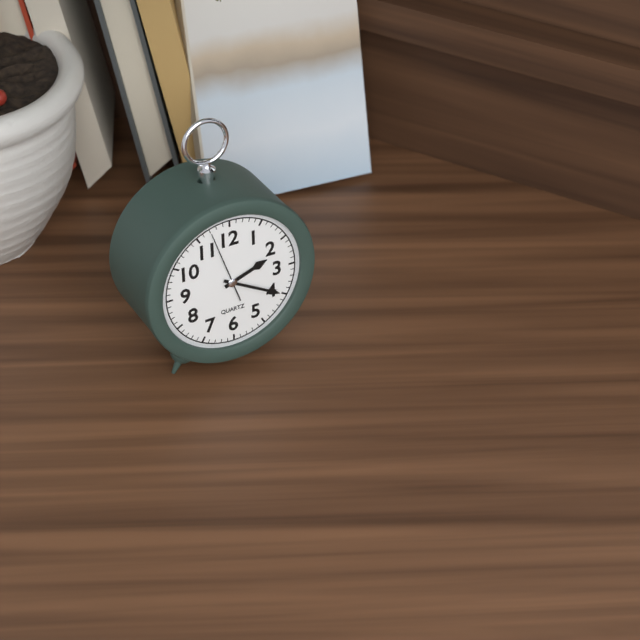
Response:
2.20.57
